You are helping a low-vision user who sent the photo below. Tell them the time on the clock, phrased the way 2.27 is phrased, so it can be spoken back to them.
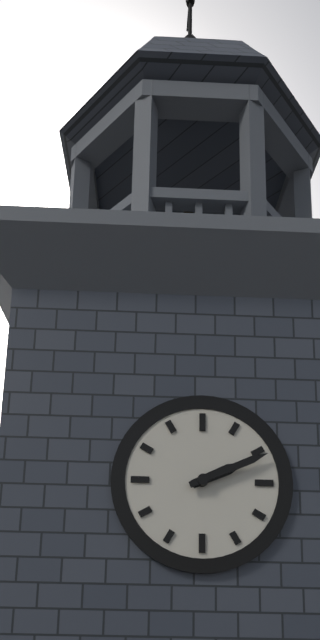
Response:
2.11
